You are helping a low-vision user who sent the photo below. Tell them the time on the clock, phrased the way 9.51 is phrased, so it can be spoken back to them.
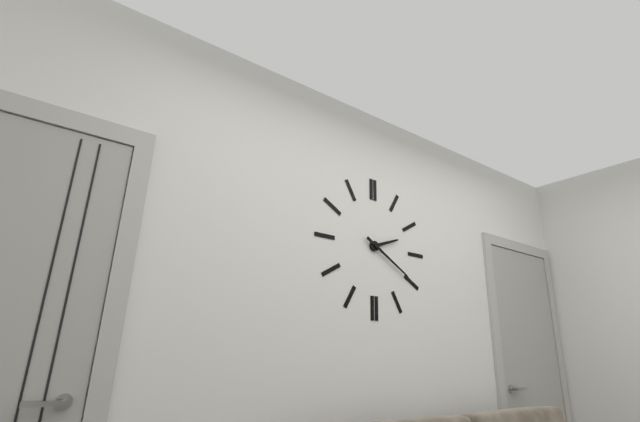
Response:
2.20
